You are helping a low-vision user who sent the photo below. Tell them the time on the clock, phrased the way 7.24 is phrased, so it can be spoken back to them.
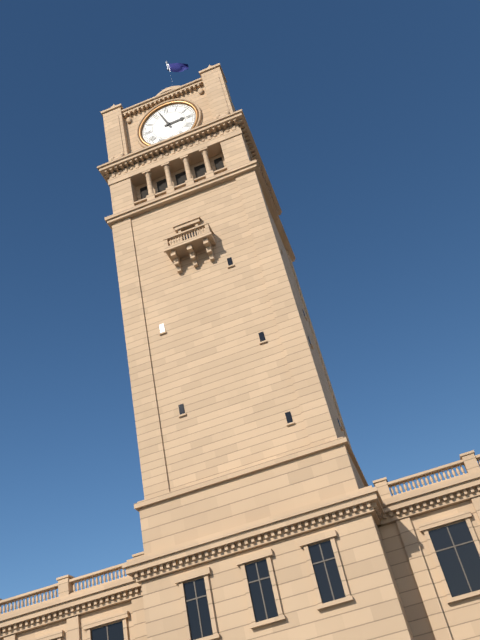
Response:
2.57
